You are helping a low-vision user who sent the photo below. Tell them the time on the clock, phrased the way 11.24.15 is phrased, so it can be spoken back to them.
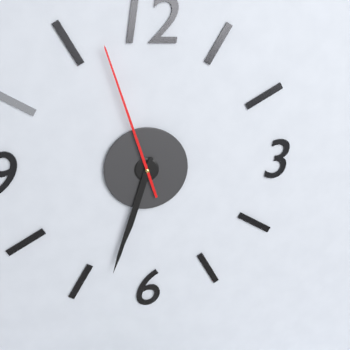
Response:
6.33.57
